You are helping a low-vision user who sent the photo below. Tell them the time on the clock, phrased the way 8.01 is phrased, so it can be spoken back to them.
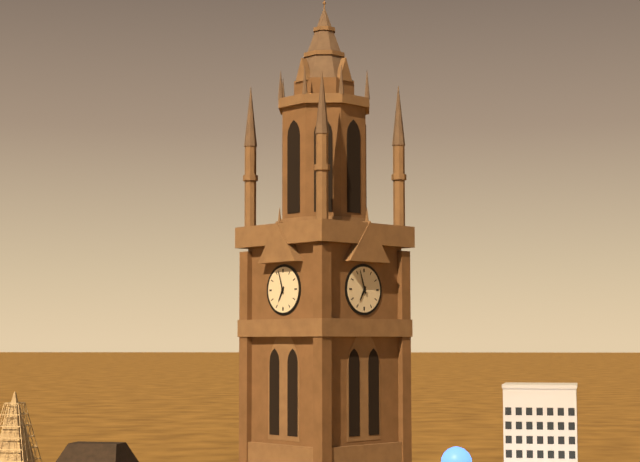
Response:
6.57
